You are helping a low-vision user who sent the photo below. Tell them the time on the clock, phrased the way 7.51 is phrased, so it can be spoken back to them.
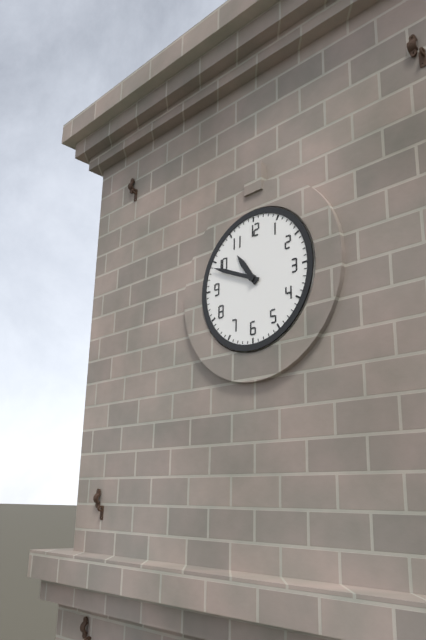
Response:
10.49
